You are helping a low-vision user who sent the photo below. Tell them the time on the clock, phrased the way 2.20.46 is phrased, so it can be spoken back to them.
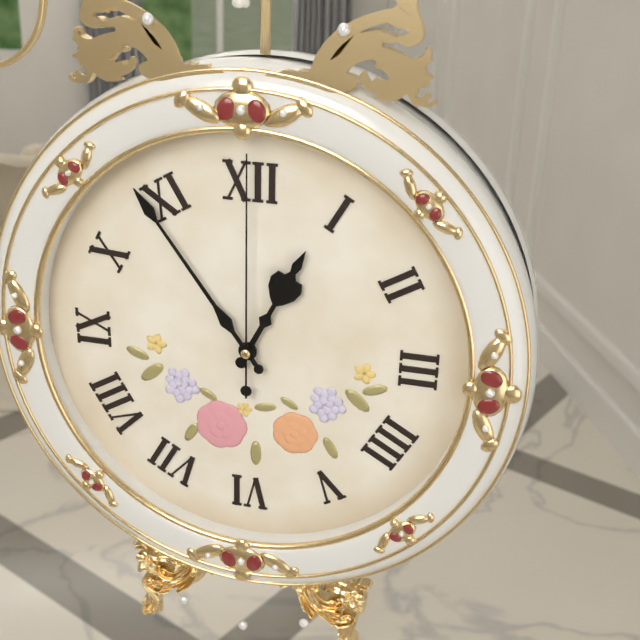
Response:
12.54.00
